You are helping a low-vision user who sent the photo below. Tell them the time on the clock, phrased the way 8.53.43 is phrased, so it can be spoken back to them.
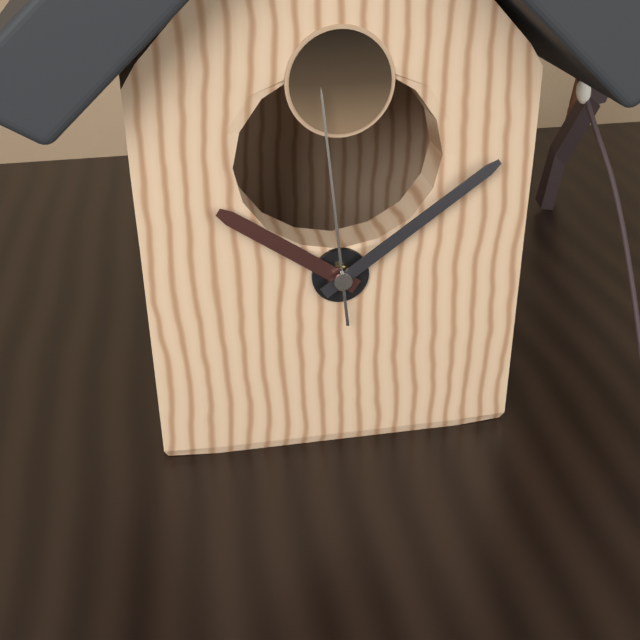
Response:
10.09.59
